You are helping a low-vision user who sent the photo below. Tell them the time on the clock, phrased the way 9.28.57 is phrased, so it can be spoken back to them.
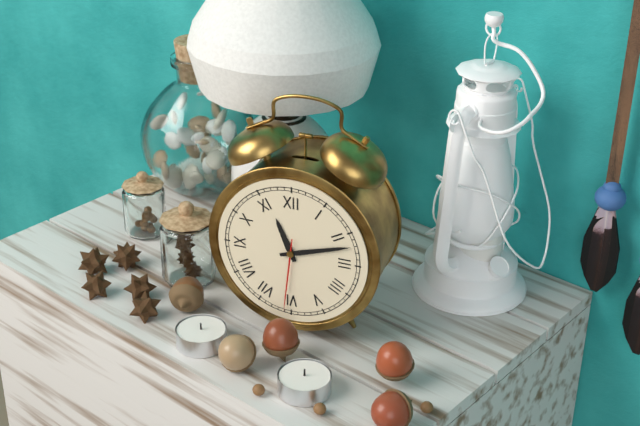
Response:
11.12.31
